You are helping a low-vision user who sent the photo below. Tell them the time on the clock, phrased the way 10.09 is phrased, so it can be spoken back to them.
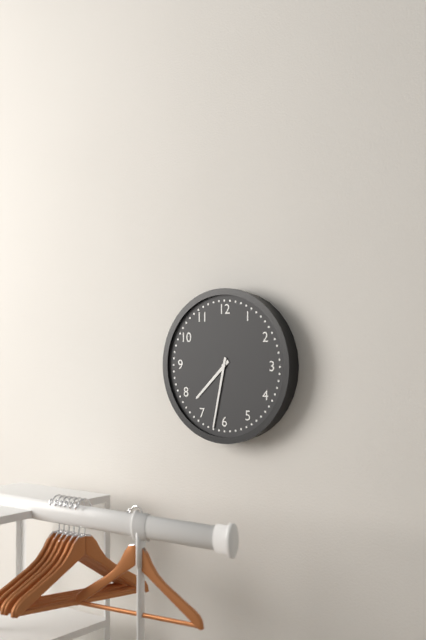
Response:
7.32
